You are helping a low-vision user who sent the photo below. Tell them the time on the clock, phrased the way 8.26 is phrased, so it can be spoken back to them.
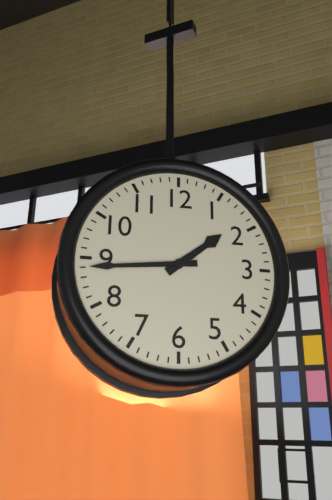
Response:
1.44
